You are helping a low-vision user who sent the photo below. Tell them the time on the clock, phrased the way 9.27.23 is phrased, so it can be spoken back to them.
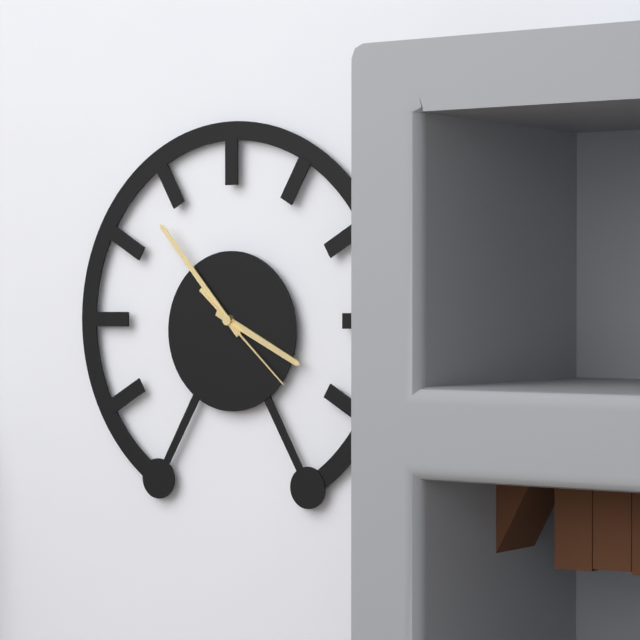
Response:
3.53.22
